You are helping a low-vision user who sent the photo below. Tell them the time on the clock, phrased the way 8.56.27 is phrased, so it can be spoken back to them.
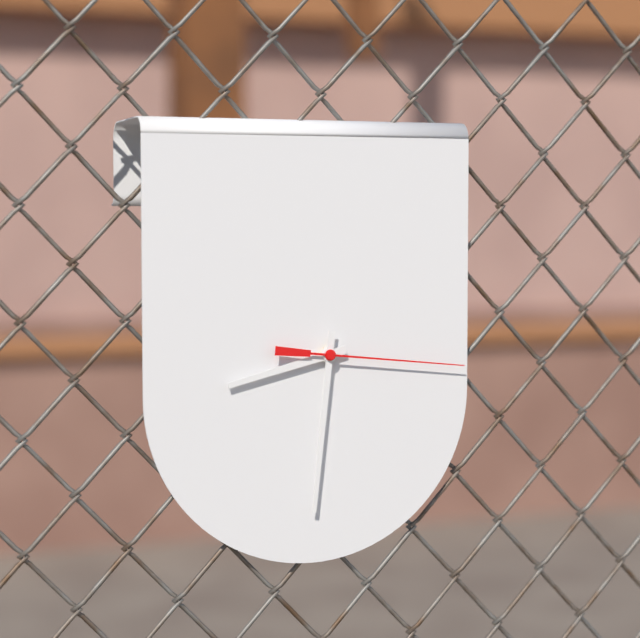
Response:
8.31.16
